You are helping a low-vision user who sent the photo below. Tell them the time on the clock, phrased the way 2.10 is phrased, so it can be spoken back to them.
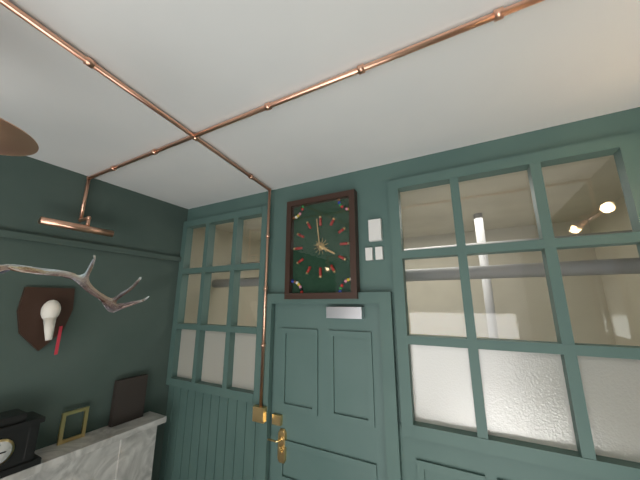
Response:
3.59
